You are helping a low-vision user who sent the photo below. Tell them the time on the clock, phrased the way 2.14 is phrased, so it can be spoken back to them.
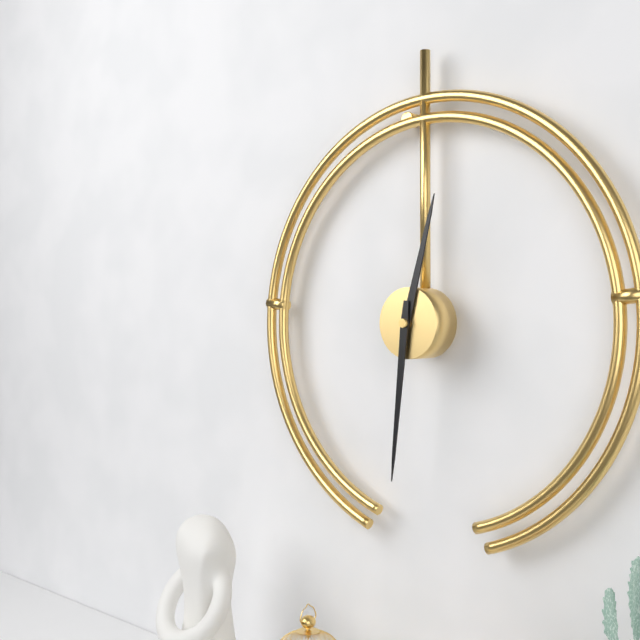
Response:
12.31
